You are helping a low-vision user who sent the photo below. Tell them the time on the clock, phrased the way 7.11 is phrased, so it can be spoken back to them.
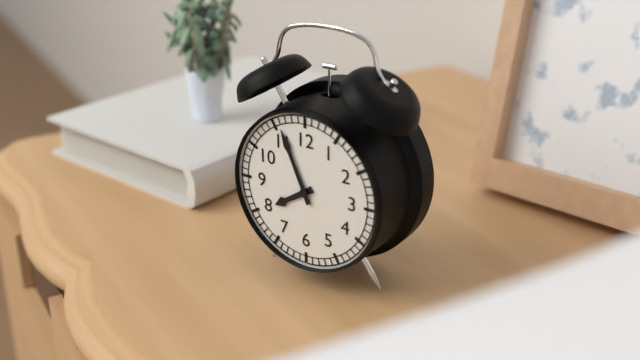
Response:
7.56
